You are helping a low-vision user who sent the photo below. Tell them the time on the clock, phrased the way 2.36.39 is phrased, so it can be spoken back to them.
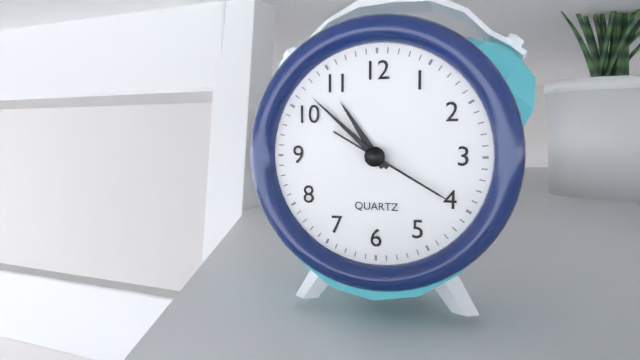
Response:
10.52.20
